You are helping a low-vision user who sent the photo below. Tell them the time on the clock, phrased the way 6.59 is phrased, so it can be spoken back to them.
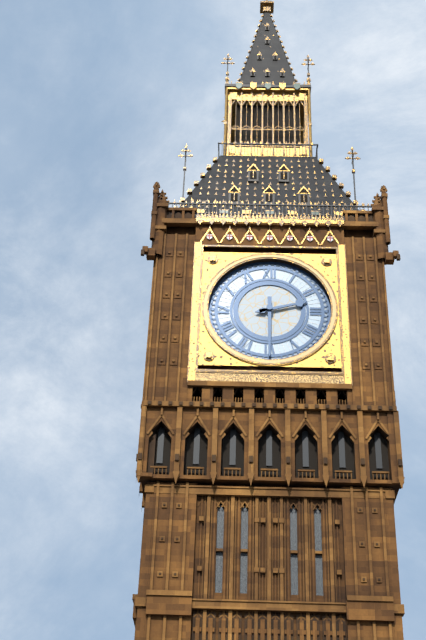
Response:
2.30
